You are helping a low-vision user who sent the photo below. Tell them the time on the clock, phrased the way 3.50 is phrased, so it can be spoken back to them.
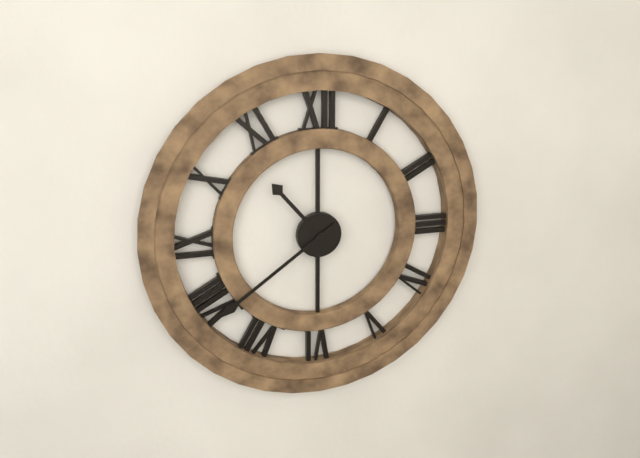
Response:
10.39
